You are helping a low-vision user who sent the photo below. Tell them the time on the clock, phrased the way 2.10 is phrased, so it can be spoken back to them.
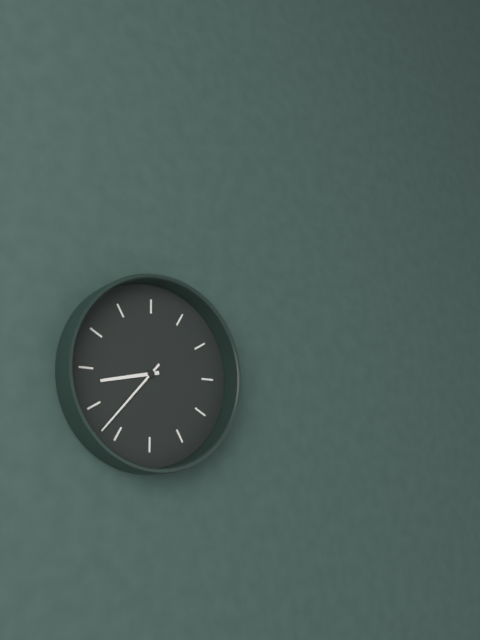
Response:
8.37
